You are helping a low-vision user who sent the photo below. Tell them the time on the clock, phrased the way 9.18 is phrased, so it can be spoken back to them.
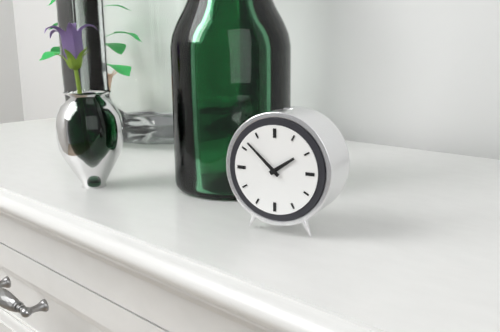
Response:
1.52
